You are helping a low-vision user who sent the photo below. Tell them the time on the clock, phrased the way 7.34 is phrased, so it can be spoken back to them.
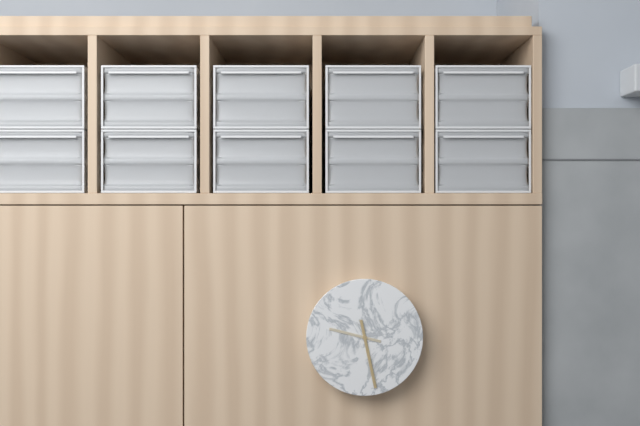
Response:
9.28
